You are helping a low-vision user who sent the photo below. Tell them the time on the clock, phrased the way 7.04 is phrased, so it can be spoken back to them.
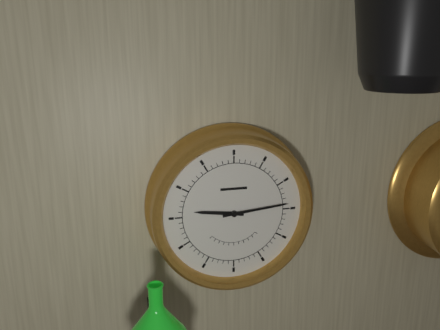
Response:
9.14
